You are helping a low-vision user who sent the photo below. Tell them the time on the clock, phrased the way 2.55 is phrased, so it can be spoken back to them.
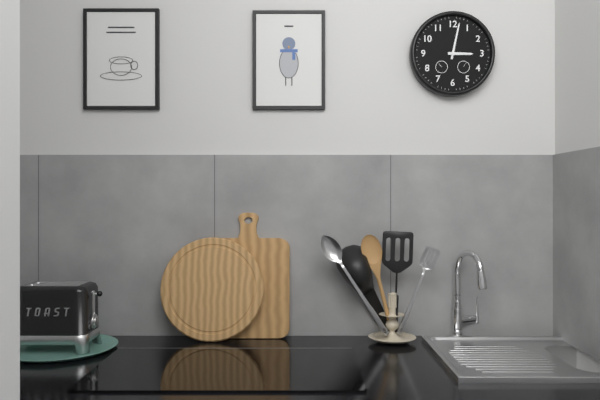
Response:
3.02
